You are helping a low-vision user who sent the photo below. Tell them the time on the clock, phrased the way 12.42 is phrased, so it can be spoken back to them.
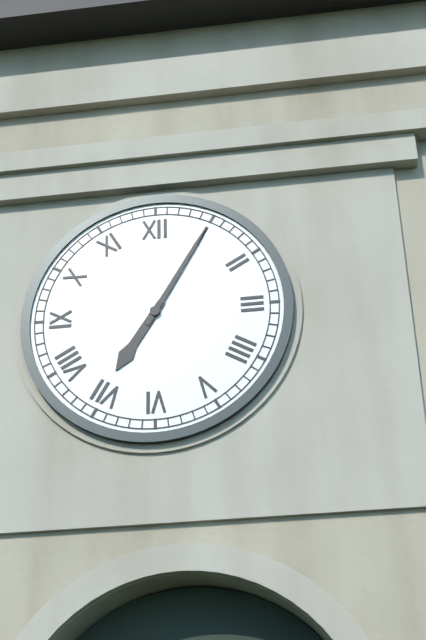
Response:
7.05
